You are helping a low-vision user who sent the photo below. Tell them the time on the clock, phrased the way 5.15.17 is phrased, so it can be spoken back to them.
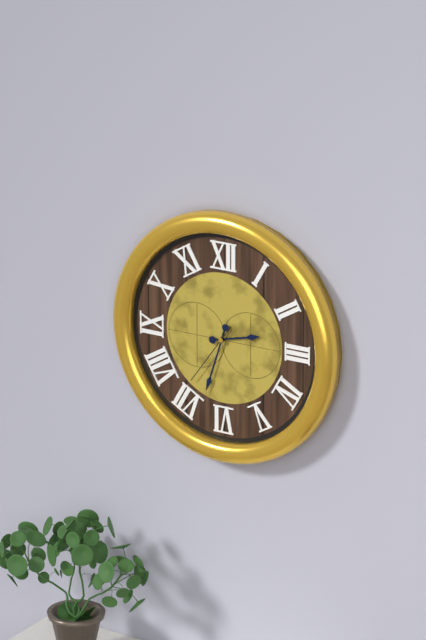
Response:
2.33.36
